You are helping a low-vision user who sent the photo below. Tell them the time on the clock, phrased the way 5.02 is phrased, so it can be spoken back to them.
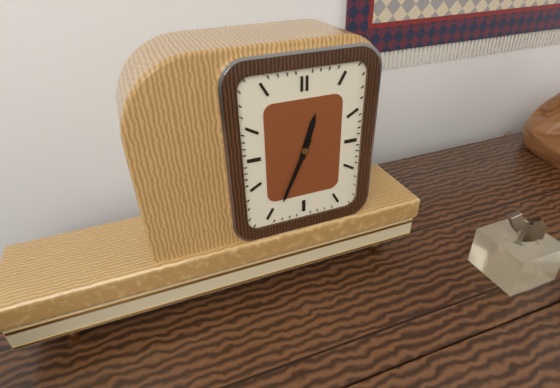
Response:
12.34
